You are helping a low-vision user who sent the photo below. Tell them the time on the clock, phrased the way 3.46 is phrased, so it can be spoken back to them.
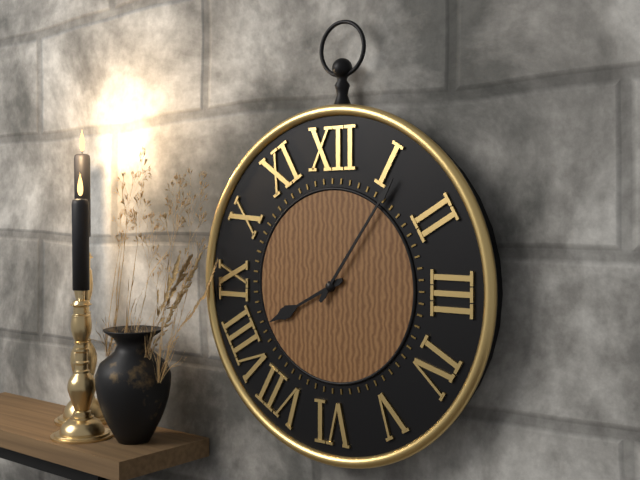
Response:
8.06
